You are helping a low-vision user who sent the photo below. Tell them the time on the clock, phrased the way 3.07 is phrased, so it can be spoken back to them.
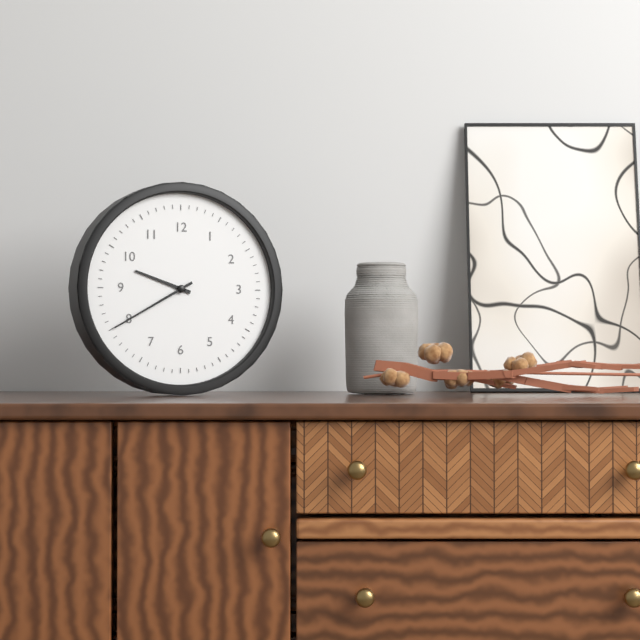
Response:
9.40
